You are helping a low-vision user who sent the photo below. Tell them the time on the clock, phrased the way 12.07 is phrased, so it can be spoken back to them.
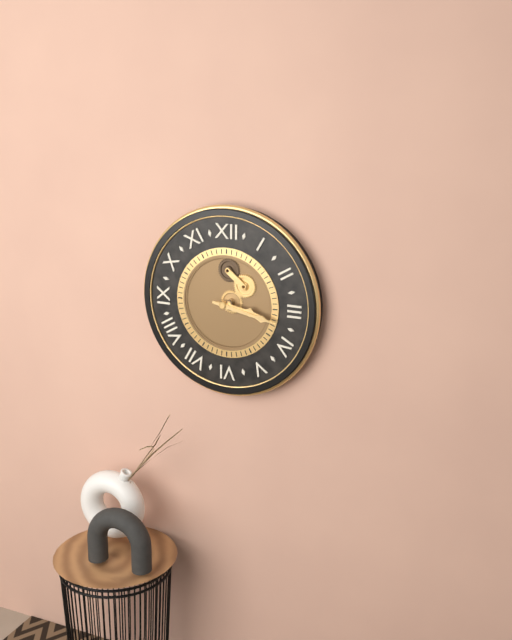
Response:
3.17
